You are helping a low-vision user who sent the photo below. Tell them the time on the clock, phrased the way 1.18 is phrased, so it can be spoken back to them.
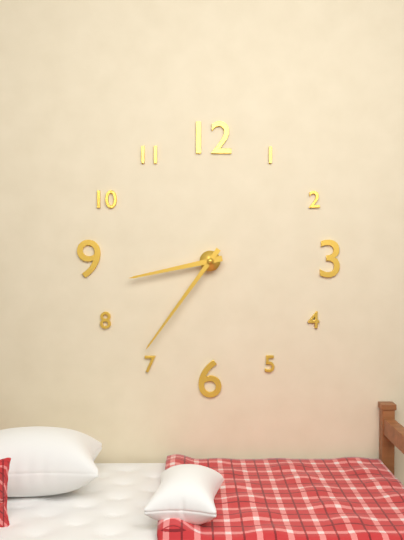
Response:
8.36
